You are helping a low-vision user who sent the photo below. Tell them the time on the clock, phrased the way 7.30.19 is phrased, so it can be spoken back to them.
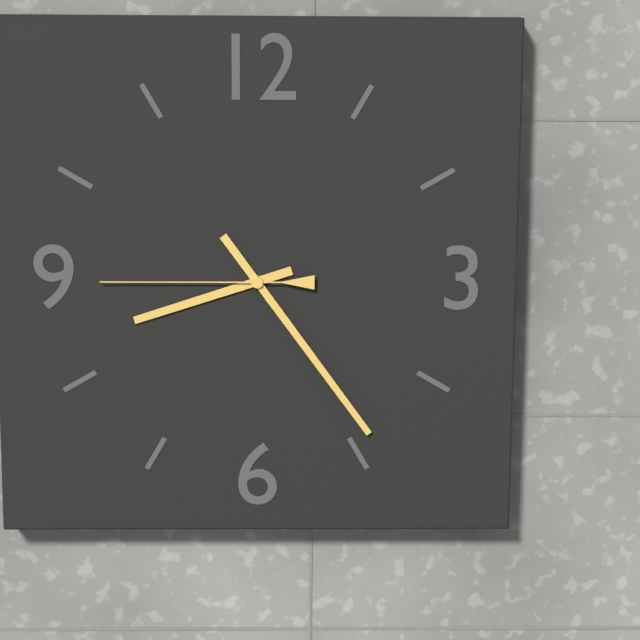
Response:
8.24.45
